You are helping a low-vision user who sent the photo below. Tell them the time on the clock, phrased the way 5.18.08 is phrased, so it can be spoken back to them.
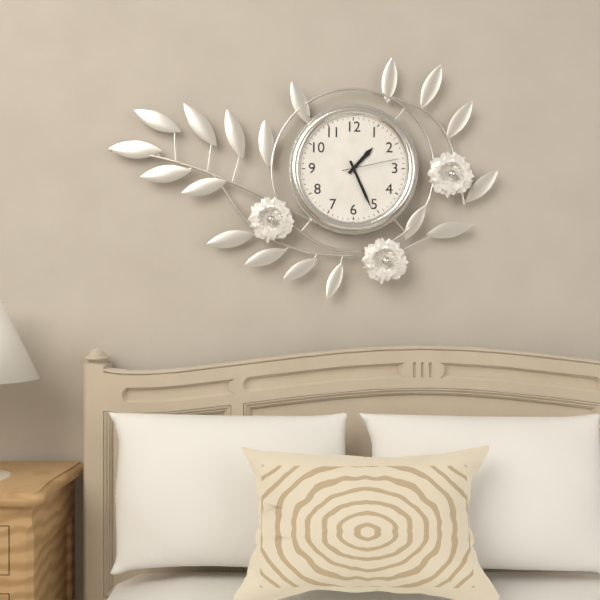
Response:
1.26.13
